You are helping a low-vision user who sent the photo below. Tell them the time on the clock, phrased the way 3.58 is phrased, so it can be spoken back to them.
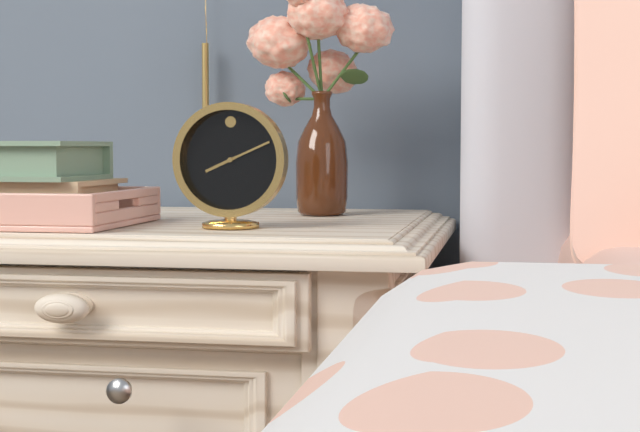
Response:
8.11
